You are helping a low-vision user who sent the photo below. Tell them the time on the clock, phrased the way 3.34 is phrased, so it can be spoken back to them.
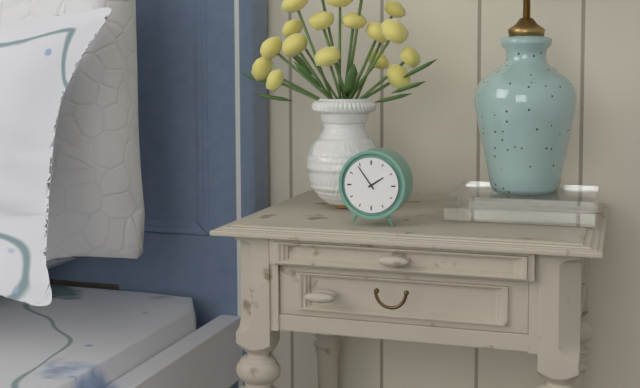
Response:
1.54
